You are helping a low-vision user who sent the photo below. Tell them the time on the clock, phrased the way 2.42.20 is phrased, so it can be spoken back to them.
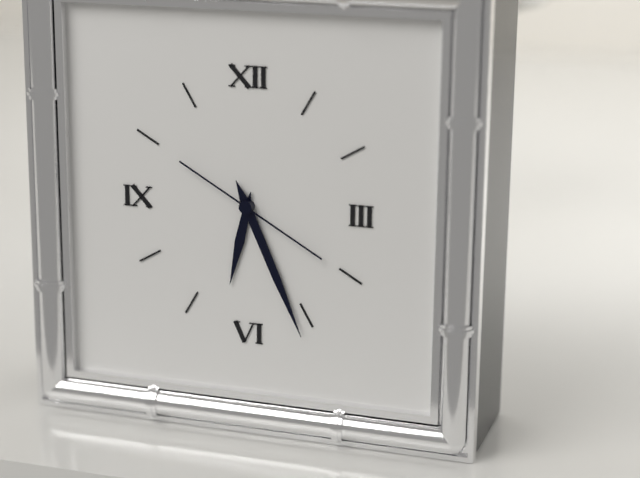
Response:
6.26.20
